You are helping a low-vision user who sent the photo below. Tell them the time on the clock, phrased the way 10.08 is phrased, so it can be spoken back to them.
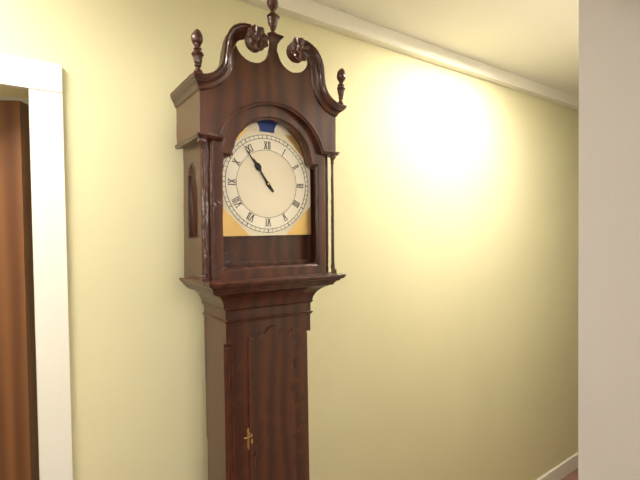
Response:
10.54
